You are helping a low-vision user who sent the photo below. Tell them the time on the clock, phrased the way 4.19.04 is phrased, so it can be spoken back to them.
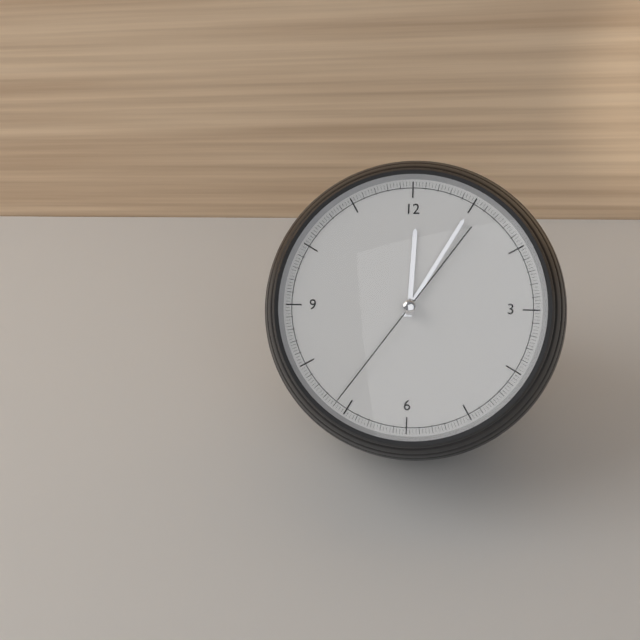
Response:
12.05.36
